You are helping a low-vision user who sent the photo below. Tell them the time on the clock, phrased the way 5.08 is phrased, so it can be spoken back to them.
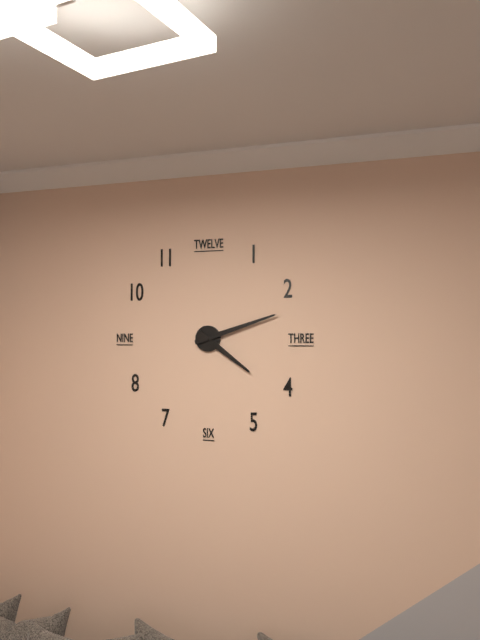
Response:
4.12
